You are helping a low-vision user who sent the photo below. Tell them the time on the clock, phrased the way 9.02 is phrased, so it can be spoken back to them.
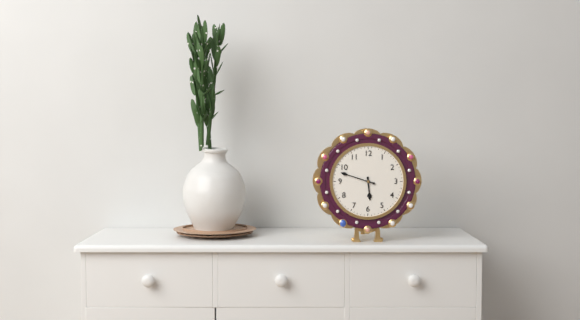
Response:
5.48
